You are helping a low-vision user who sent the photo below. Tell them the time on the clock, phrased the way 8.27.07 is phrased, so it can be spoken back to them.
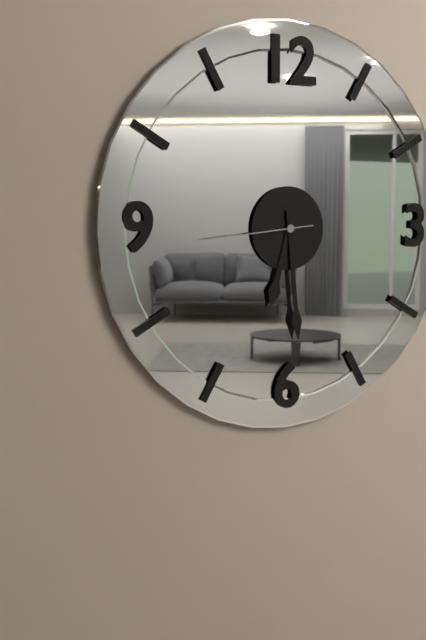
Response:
6.29.44
